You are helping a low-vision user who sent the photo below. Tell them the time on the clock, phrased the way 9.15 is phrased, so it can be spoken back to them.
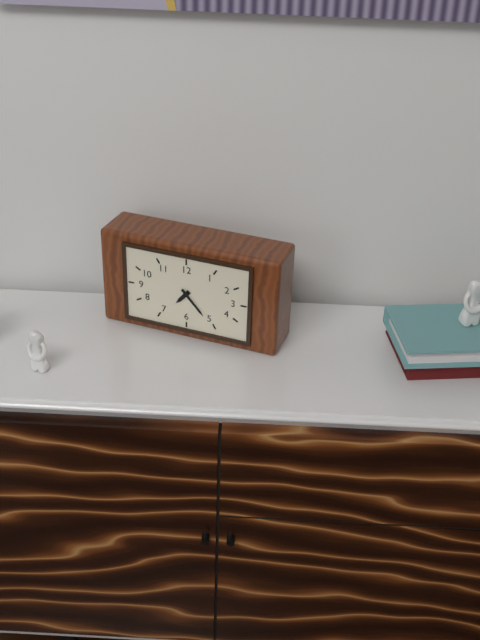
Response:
7.23
